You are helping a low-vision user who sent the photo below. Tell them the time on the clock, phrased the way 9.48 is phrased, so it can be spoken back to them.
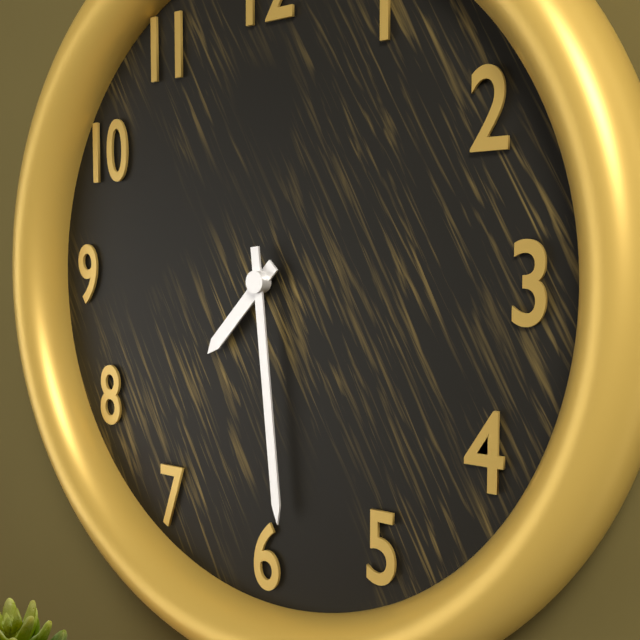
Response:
7.29
